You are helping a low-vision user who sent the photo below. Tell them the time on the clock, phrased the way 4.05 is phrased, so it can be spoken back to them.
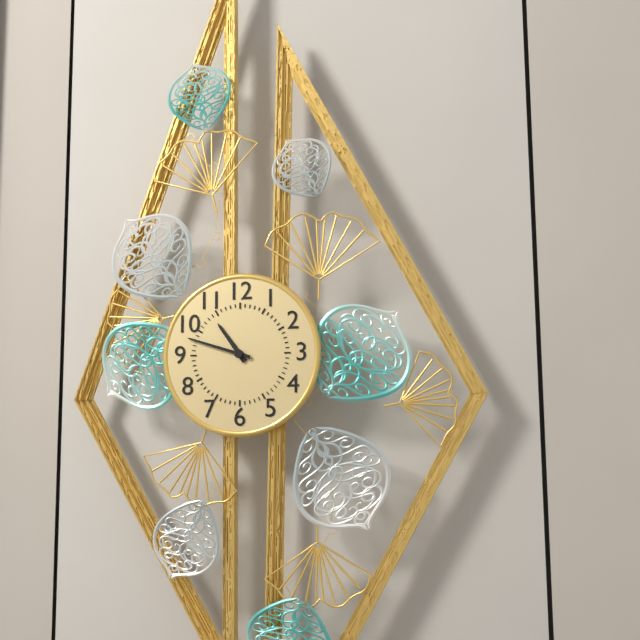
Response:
10.48
